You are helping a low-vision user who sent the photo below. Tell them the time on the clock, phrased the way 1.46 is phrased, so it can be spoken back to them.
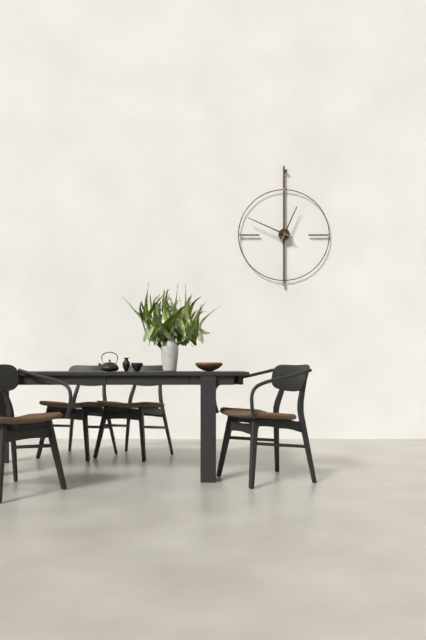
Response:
12.49
